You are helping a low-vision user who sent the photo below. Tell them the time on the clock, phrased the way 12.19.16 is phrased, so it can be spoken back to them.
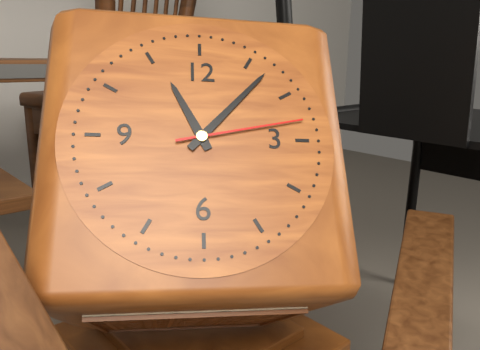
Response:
11.07.13
